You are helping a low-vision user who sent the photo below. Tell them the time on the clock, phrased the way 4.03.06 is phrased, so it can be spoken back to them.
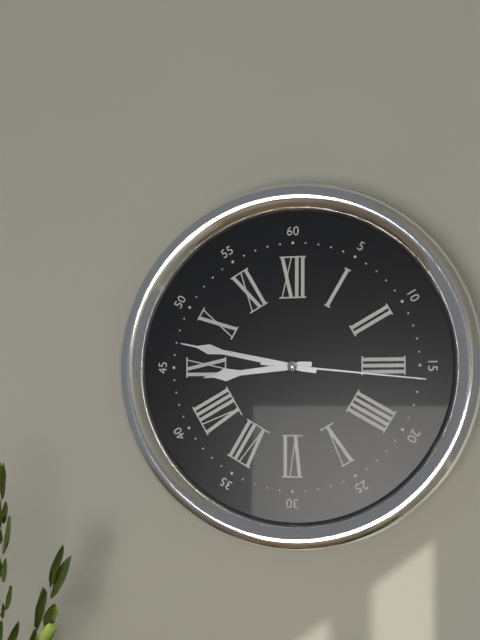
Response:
8.47.16
